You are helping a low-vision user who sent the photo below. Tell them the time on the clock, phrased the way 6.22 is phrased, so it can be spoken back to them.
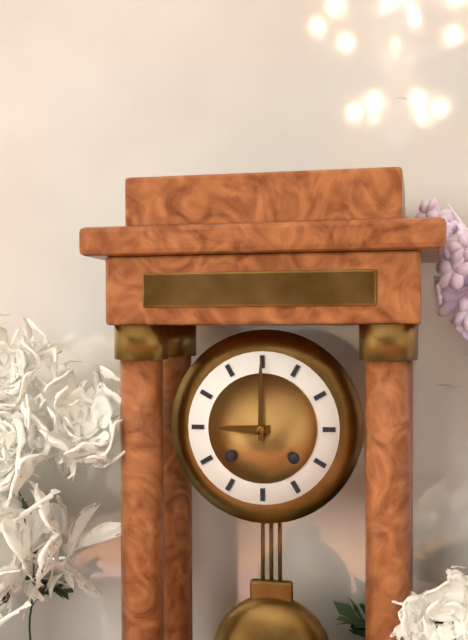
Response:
9.00
